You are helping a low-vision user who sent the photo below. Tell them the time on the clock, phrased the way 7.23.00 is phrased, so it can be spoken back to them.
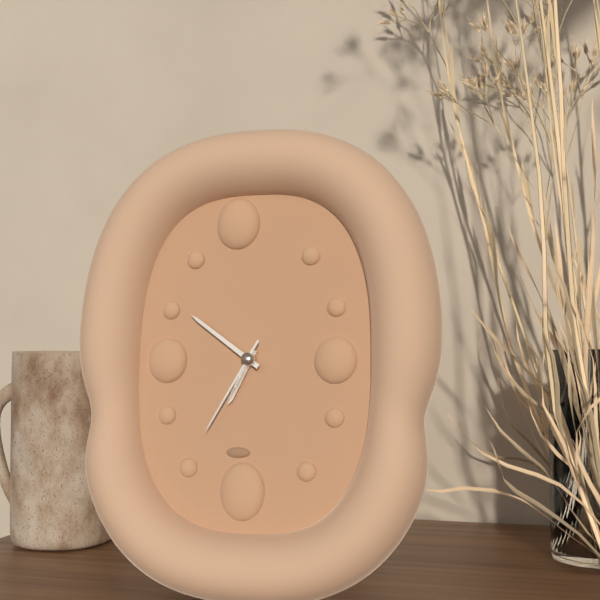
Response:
6.51.35
